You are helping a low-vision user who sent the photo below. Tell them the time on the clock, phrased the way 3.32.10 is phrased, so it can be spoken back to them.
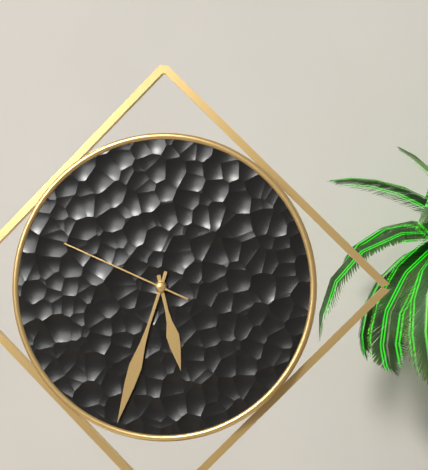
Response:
5.33.49
